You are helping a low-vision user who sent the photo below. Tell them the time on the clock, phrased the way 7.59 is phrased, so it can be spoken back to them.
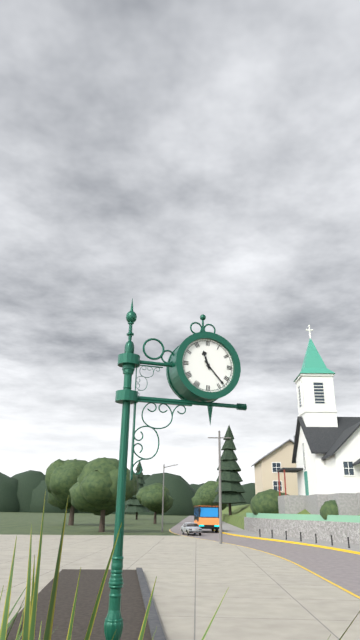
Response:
11.23
